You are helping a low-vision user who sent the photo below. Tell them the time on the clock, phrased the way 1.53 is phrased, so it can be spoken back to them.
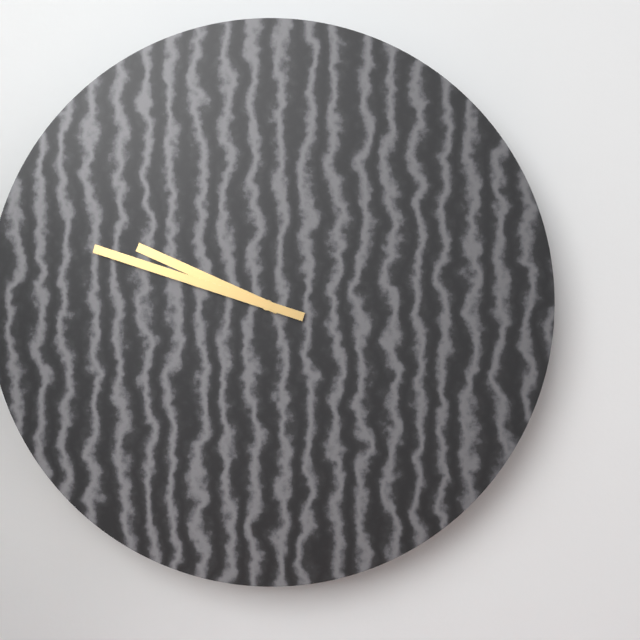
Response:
9.48
